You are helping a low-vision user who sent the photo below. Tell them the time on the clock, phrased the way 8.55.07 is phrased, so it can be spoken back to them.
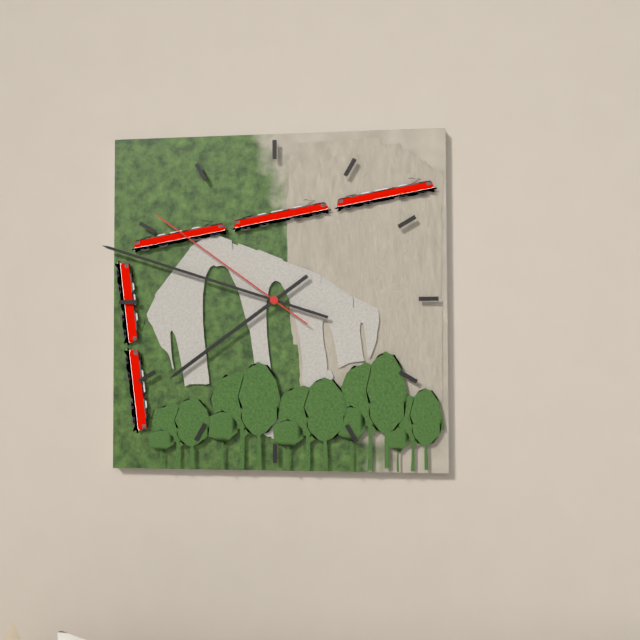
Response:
7.48.51
